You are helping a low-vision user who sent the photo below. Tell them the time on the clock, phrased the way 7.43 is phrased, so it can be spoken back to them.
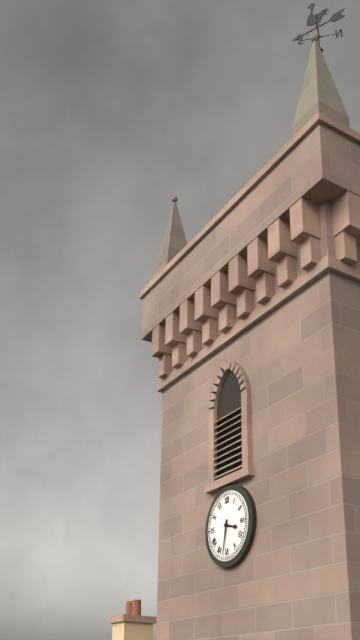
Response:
3.32
